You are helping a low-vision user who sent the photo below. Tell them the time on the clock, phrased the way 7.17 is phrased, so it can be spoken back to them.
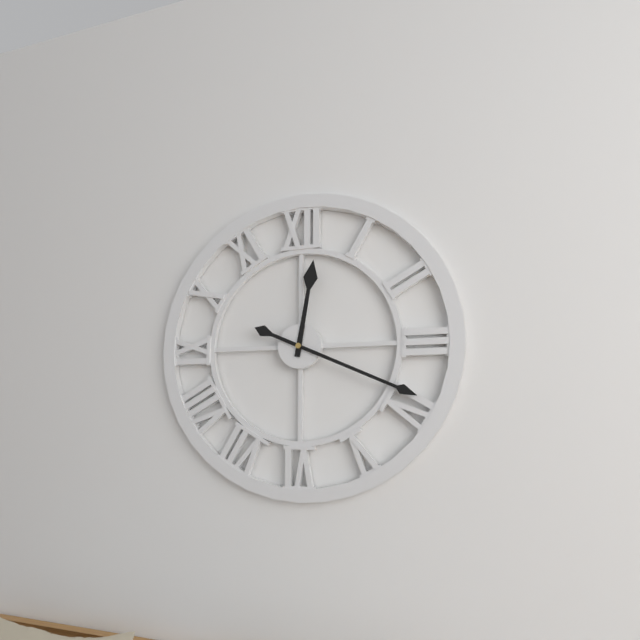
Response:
12.19
